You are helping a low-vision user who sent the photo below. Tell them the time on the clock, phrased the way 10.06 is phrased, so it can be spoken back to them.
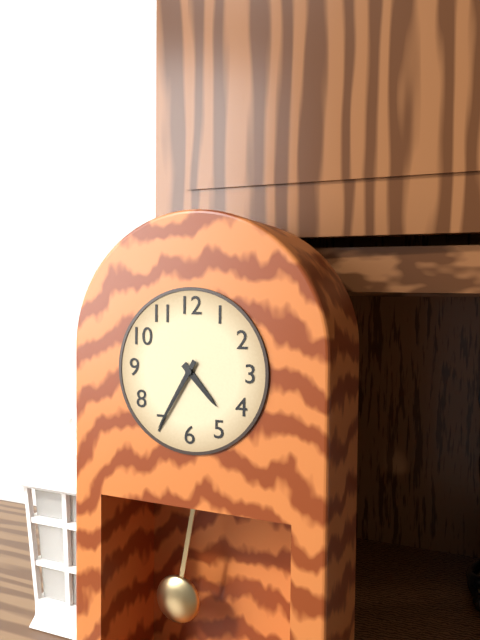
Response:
4.35
